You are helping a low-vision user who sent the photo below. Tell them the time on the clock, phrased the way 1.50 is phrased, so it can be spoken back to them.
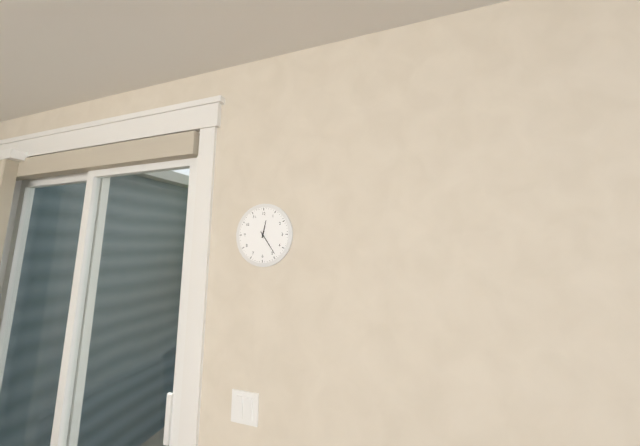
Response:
12.24
